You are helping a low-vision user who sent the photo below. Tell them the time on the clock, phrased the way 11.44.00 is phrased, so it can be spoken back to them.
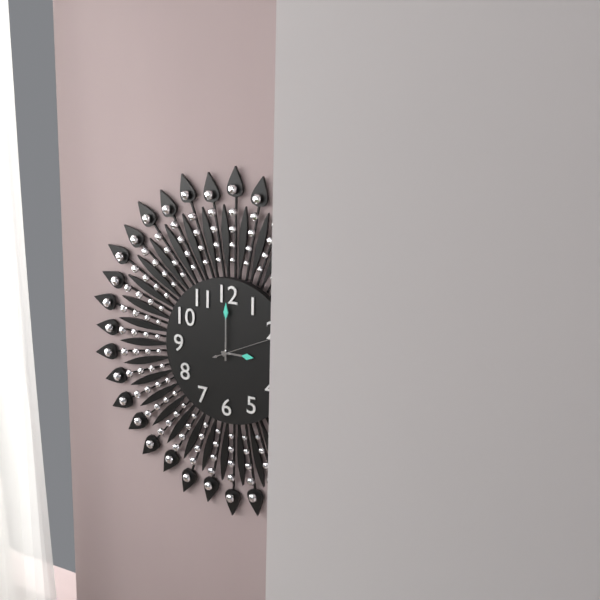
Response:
3.00.11
